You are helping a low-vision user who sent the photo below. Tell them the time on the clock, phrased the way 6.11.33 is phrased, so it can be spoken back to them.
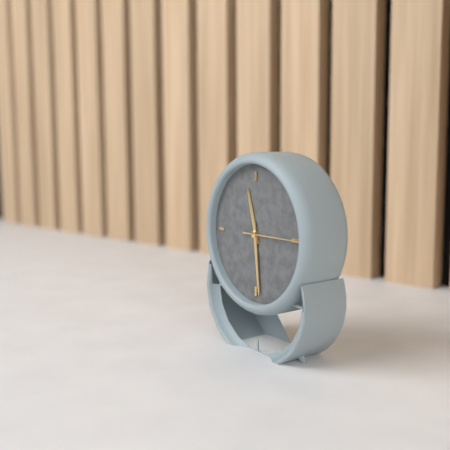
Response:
11.29.15
